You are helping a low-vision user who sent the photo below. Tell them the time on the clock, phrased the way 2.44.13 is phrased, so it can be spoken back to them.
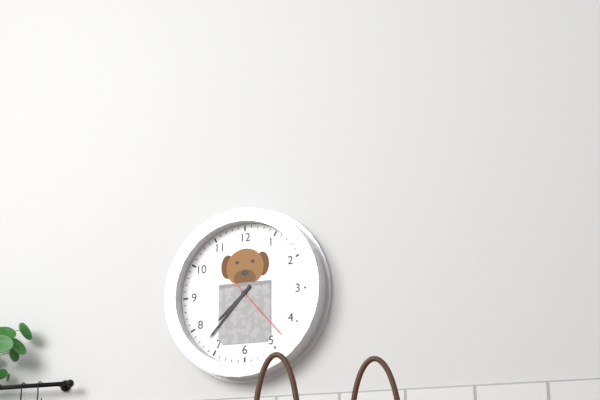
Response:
7.37.23
